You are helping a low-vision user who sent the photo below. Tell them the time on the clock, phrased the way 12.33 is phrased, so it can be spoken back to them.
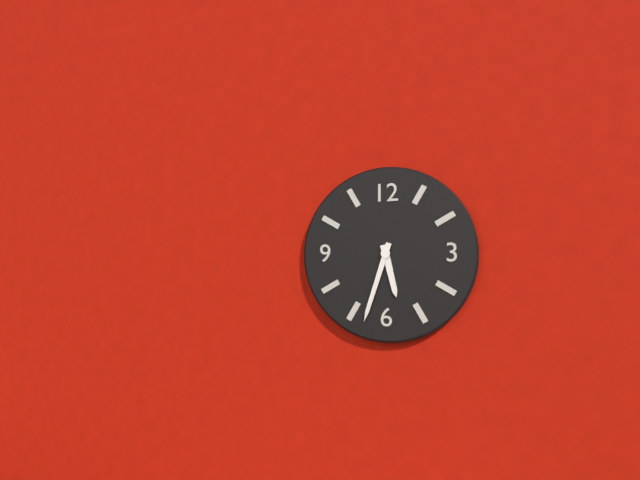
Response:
5.33
